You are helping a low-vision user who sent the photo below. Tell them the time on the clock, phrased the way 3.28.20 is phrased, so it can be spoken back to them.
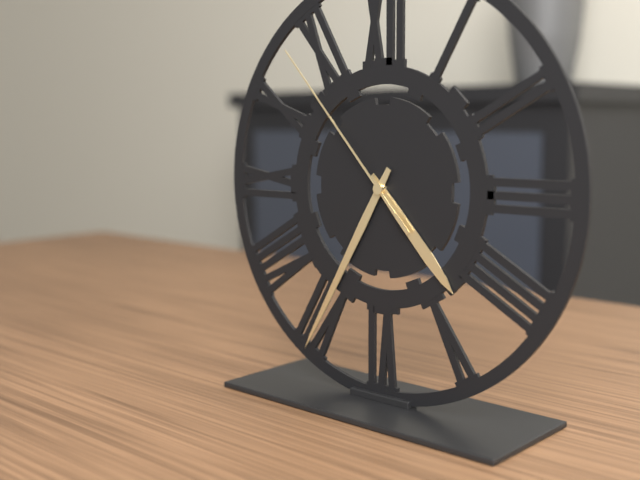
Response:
4.35.53
